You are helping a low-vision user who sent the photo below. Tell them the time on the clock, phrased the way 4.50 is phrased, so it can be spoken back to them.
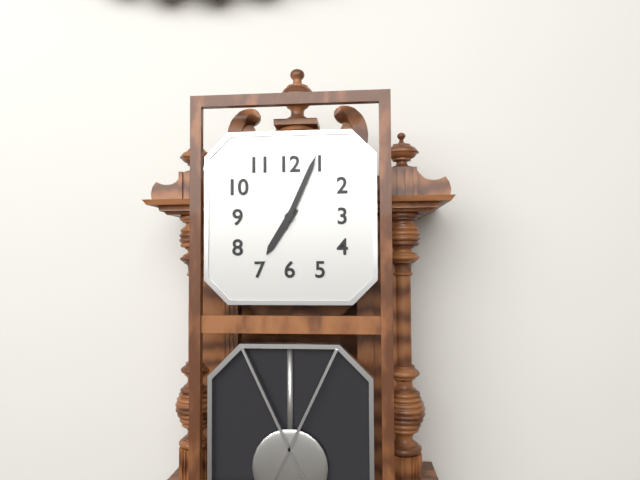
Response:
7.04
